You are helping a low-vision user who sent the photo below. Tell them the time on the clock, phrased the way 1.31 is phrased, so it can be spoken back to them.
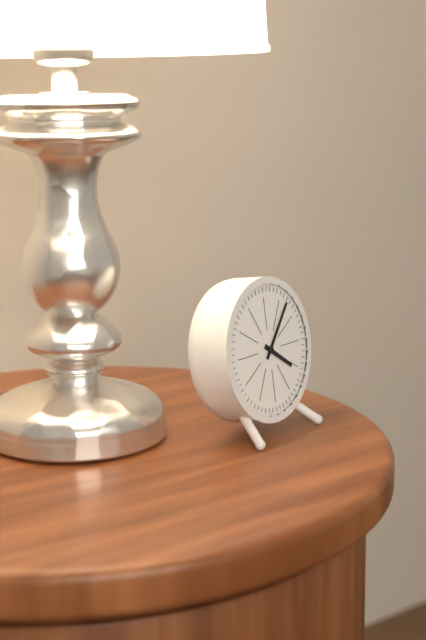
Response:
4.07
